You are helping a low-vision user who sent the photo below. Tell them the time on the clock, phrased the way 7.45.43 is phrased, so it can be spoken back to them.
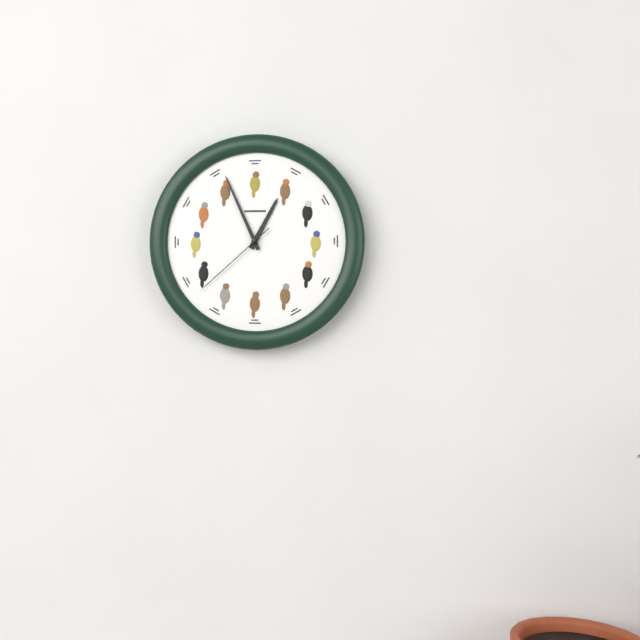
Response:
12.56.38
